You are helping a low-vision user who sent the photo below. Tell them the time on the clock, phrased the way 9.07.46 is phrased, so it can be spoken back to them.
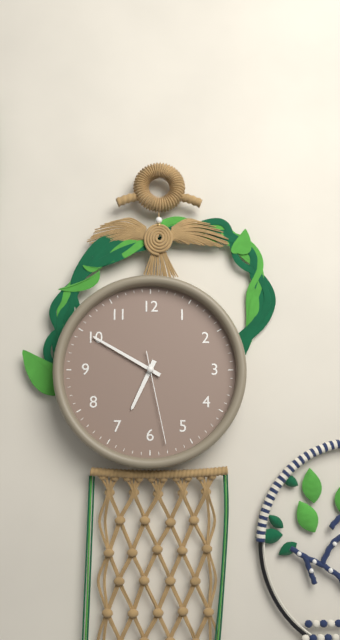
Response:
6.50.28
